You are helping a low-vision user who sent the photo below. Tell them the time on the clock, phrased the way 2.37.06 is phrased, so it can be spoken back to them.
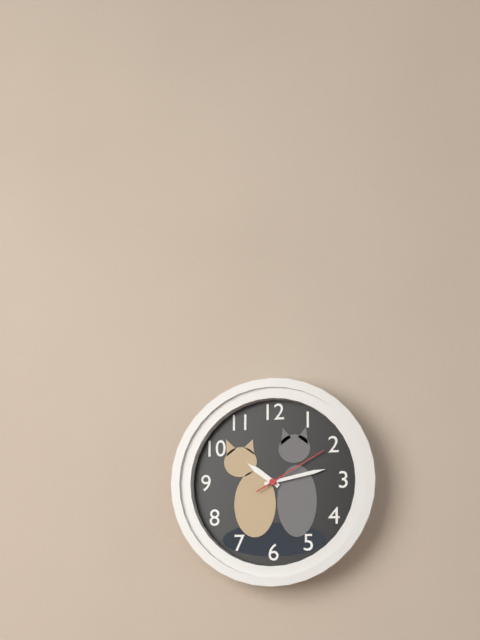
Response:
10.13.10
